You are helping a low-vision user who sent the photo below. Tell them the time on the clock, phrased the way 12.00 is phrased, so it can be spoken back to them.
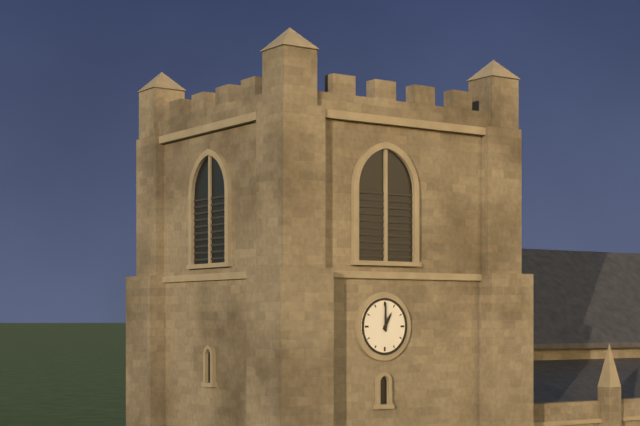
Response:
1.00
